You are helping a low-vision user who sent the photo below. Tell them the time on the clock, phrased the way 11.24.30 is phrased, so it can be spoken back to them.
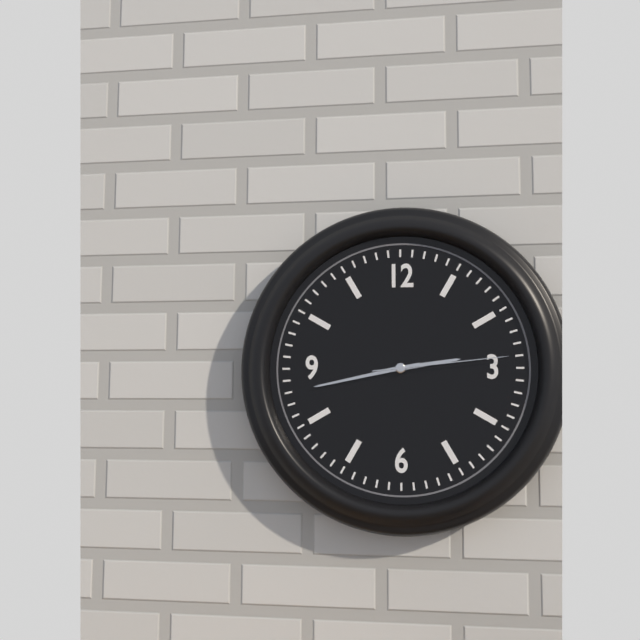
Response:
2.43.14
